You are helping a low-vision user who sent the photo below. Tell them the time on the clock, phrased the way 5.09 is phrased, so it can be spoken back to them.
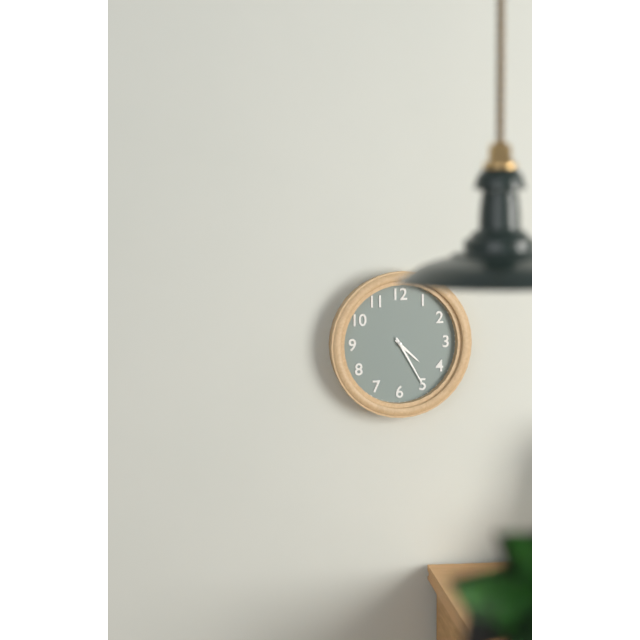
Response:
4.25
